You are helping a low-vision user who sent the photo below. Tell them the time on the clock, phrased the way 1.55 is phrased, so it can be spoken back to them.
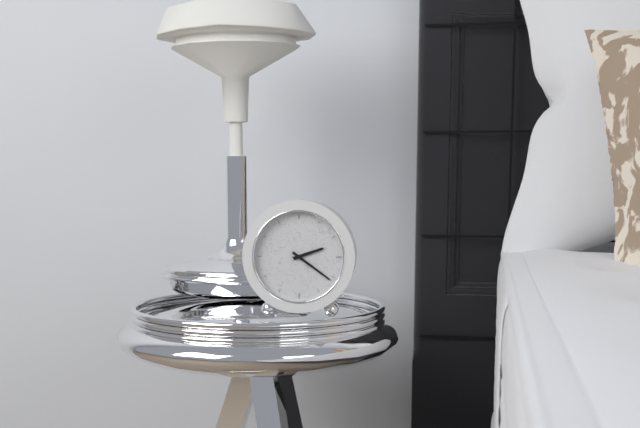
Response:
2.21
